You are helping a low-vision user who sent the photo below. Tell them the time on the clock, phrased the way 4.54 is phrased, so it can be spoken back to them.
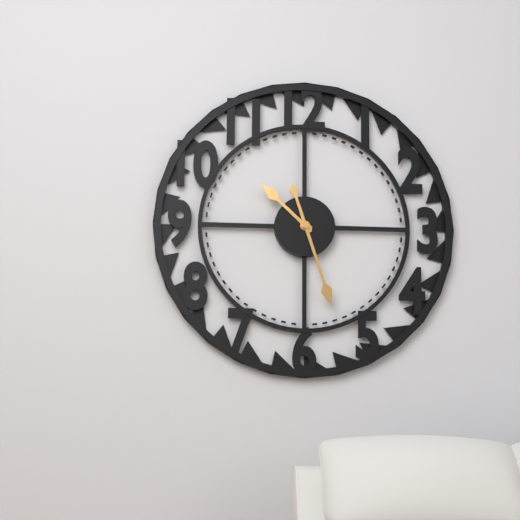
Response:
10.27
